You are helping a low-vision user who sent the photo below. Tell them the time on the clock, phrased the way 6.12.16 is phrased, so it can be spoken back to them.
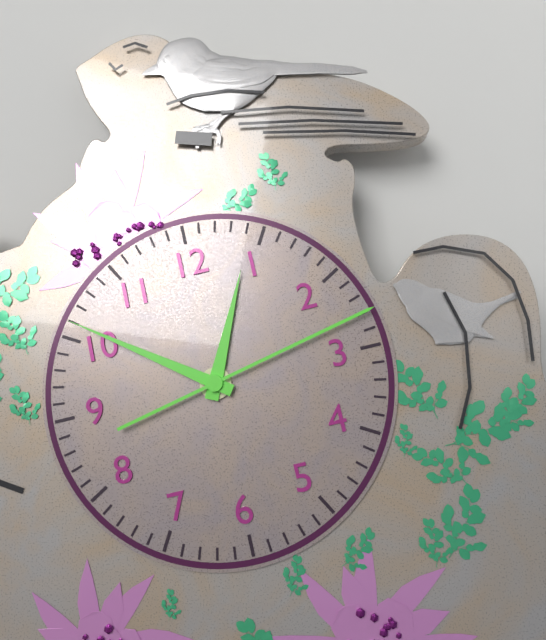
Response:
12.51.13
